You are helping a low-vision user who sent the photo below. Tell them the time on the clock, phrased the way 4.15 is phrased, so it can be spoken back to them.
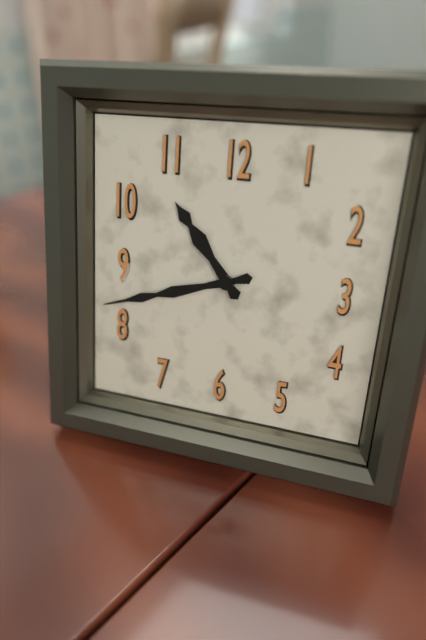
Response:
10.42
